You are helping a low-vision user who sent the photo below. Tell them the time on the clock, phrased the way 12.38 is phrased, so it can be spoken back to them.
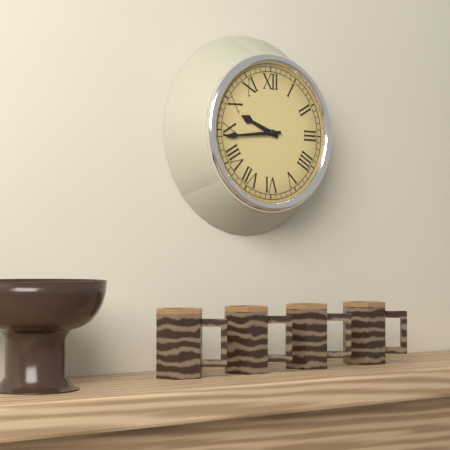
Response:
9.44
